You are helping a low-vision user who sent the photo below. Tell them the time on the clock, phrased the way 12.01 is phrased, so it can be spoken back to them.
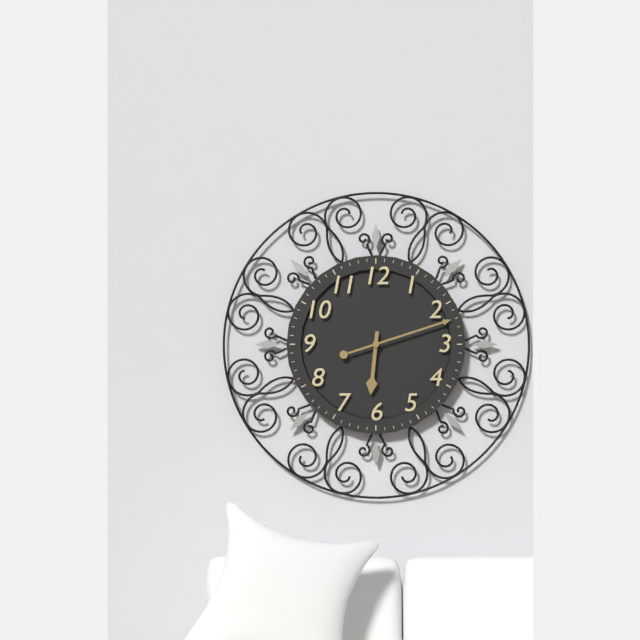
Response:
6.12
